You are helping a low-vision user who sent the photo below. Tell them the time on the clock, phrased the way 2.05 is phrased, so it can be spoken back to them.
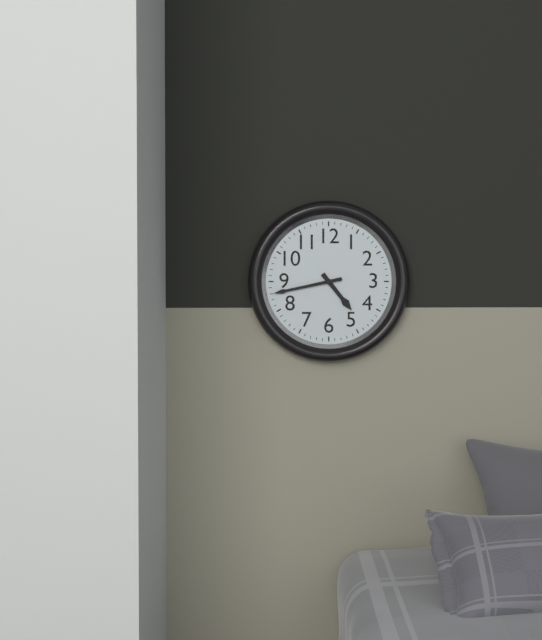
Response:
4.43
